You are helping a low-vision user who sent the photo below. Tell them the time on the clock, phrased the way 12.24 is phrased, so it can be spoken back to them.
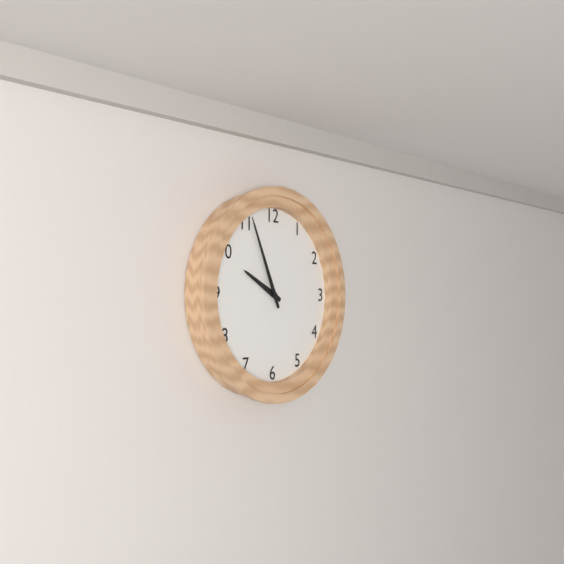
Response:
9.56
